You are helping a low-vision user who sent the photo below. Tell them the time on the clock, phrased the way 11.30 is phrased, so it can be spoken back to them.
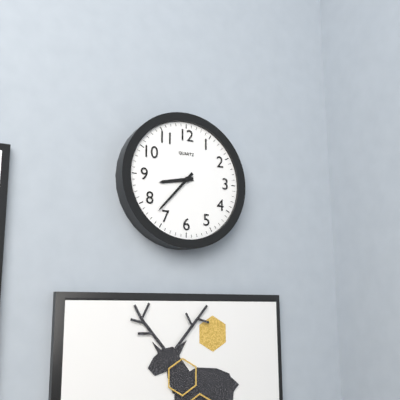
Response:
8.37
